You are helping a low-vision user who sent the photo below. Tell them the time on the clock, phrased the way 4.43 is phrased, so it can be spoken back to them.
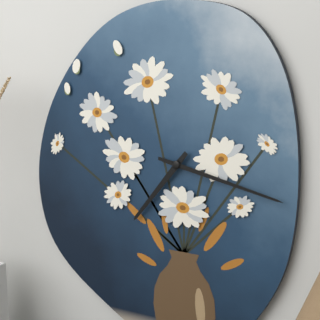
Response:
7.17
